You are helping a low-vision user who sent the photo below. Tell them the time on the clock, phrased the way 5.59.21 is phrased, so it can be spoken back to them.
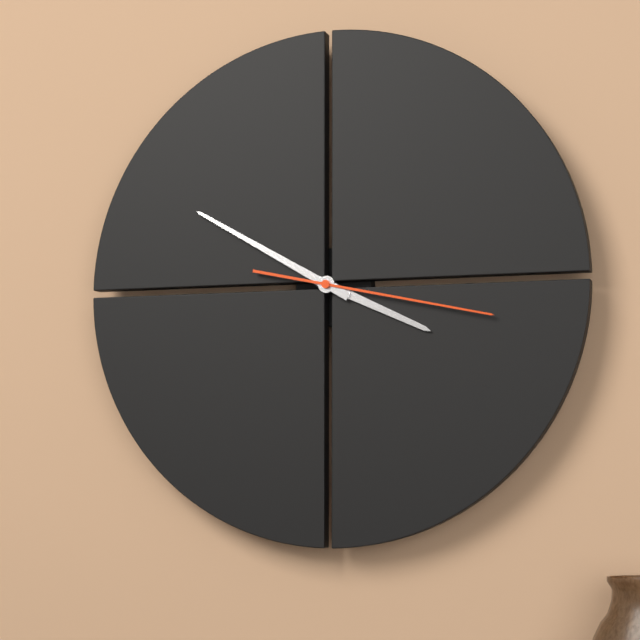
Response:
3.50.17
